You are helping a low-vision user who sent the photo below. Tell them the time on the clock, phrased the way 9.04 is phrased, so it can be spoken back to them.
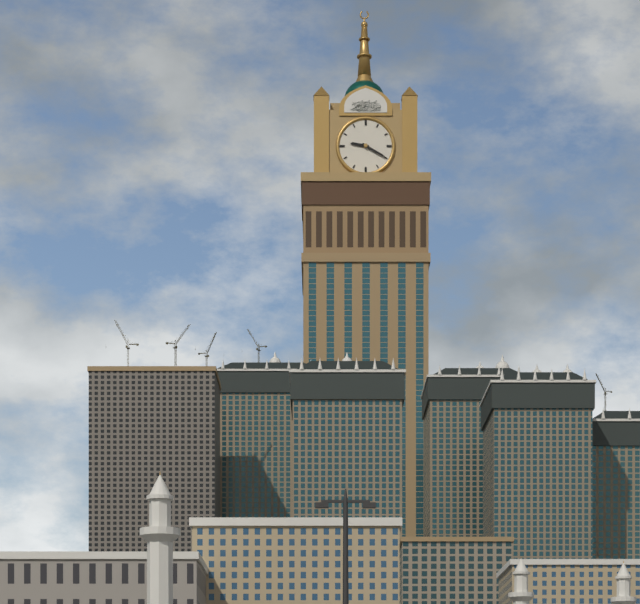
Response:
9.20
